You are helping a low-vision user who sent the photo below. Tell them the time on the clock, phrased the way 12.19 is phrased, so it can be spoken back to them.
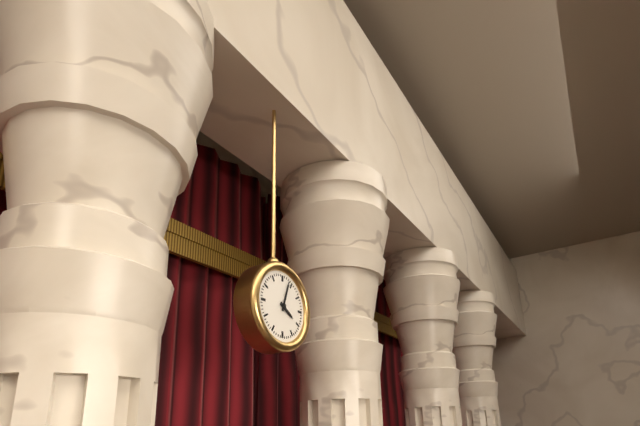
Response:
4.03
